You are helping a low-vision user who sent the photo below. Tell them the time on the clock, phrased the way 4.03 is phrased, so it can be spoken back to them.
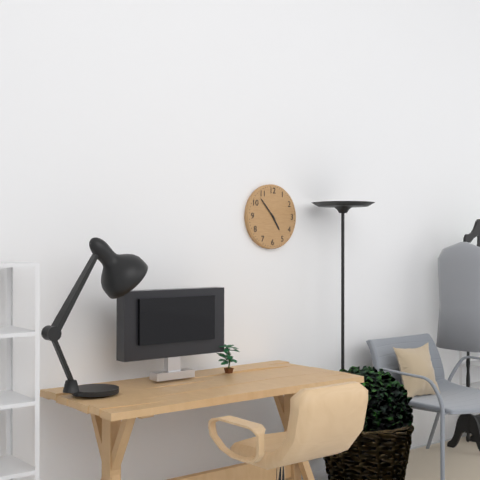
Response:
4.53
